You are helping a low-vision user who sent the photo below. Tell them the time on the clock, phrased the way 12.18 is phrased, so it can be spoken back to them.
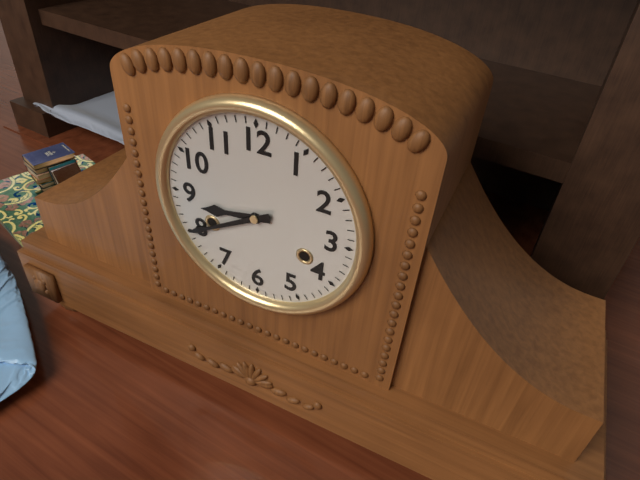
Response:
8.40
